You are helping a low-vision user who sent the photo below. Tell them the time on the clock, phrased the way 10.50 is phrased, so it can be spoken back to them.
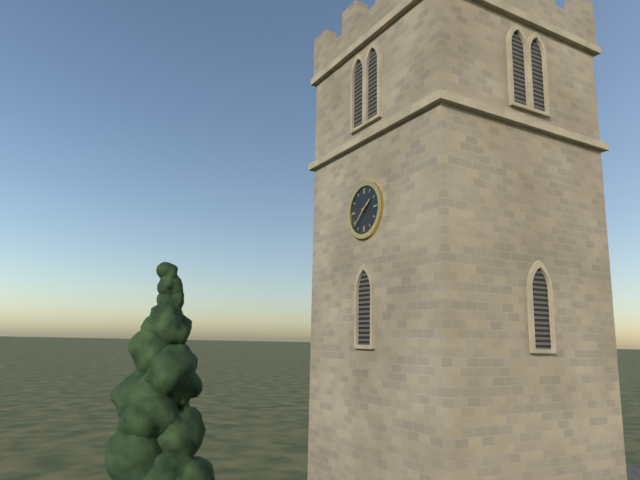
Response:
1.38
